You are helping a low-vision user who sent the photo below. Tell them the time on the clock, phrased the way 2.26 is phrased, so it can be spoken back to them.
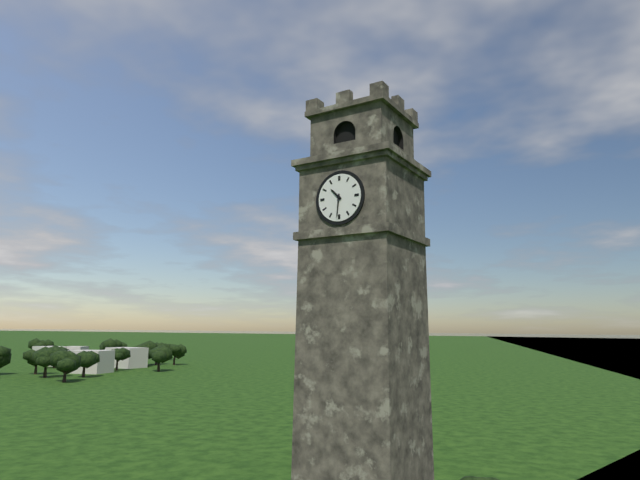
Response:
10.31
